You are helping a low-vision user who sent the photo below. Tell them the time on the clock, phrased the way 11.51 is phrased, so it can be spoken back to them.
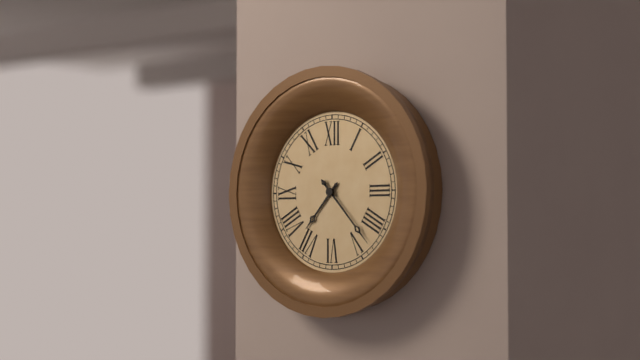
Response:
7.23
